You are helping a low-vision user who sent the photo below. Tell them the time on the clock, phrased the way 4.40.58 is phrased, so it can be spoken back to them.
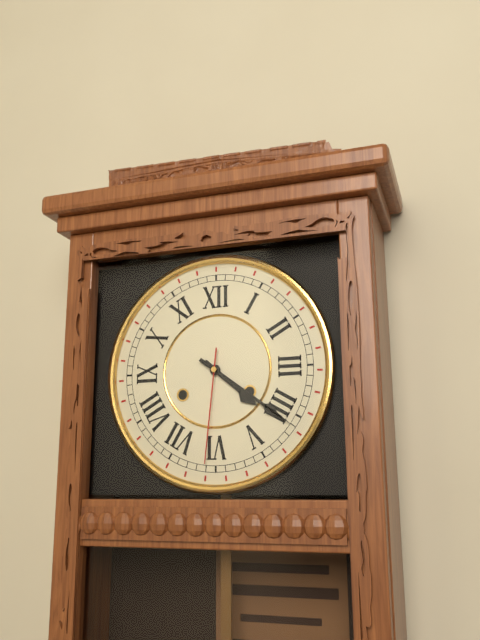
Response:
4.21.31
